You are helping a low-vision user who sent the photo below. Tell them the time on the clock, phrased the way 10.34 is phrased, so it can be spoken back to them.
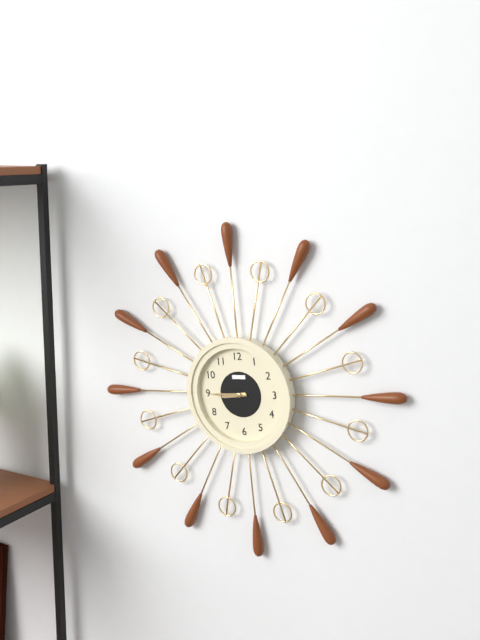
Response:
8.45
